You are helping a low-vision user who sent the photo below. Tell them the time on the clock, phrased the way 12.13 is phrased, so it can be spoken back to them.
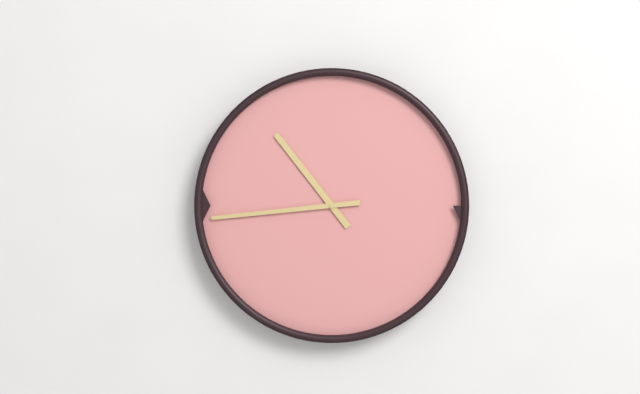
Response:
10.44
